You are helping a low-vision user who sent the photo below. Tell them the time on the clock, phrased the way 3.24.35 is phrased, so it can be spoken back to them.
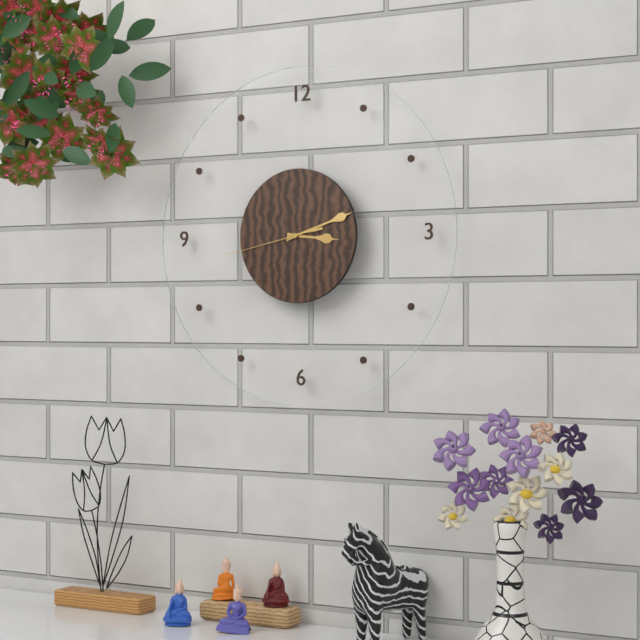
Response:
3.12.43
